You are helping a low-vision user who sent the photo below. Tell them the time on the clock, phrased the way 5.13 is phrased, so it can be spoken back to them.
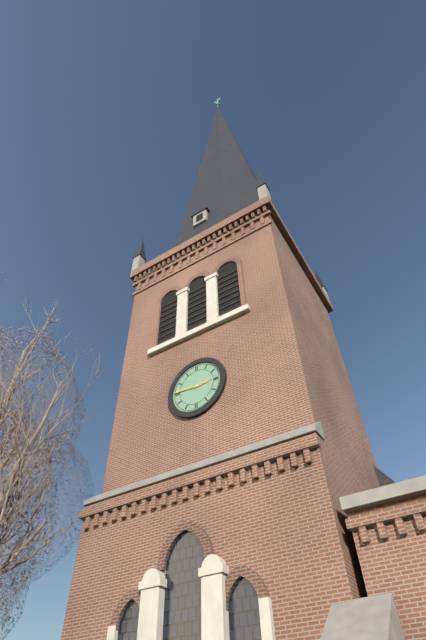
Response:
2.46
